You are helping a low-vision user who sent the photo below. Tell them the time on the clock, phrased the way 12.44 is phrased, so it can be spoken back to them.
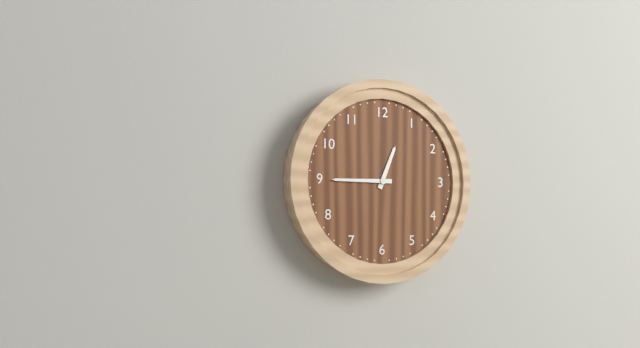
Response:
12.45
